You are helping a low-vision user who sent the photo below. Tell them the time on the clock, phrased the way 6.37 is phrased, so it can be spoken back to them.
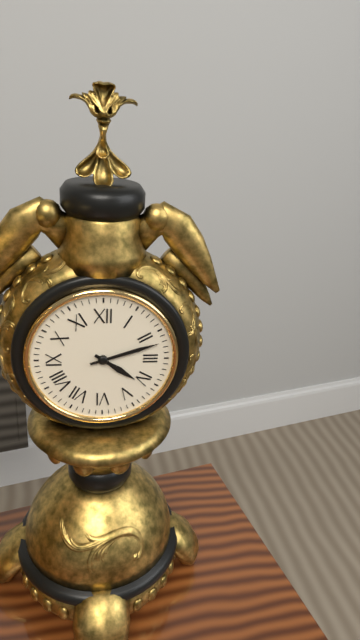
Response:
4.12
